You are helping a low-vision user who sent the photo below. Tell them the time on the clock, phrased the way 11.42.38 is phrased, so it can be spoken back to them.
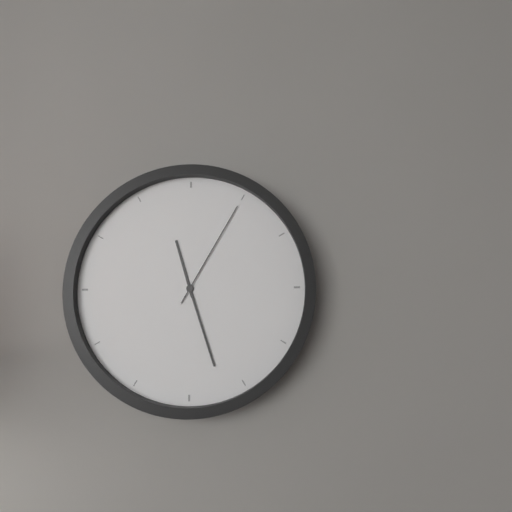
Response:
11.27.05
